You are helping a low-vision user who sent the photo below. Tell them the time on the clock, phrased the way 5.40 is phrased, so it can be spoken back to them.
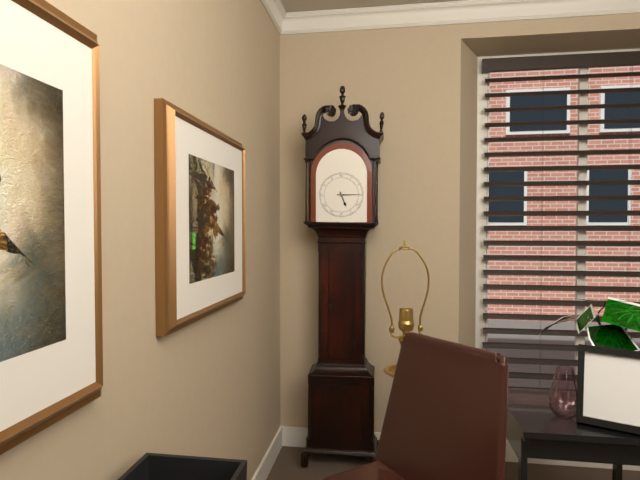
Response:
5.15
